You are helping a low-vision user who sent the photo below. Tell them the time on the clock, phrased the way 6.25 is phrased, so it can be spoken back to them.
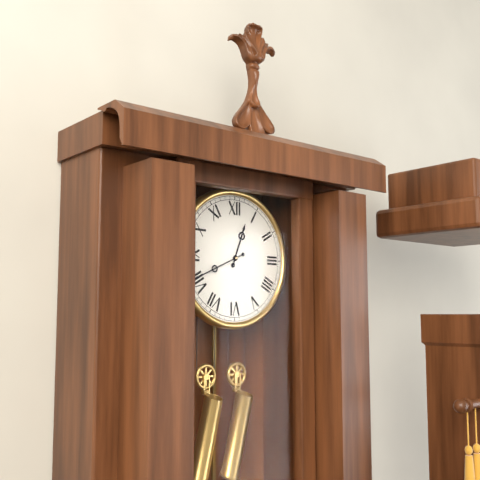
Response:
12.41
